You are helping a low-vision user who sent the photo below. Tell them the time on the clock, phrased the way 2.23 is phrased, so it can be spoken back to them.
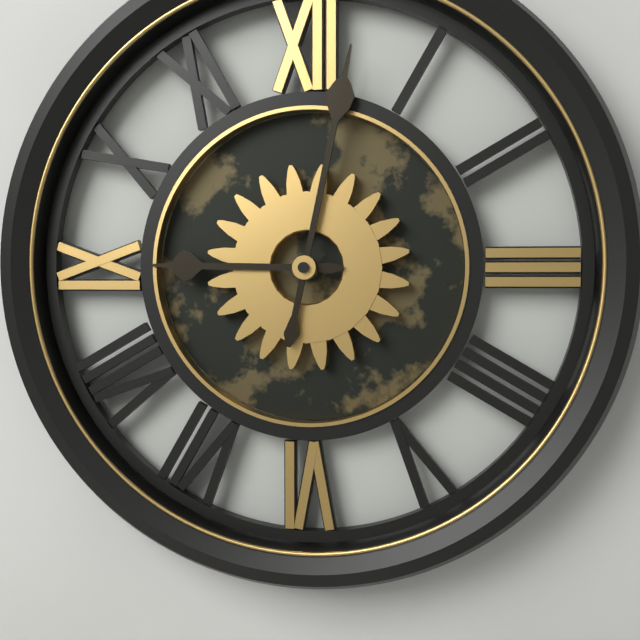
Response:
9.02
